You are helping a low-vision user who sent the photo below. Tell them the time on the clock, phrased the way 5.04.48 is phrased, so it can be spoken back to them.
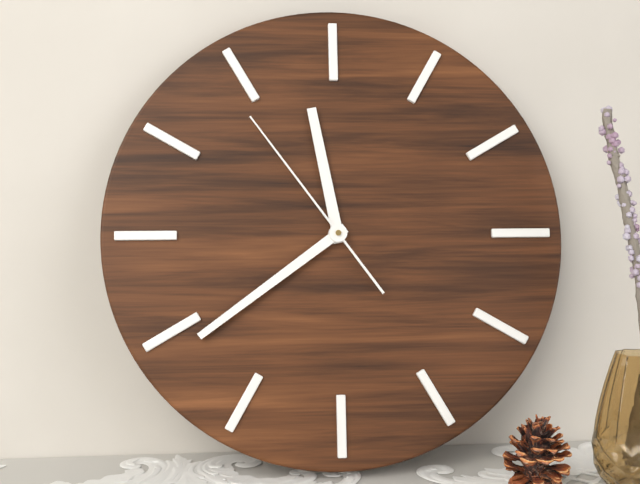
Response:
11.39.54
